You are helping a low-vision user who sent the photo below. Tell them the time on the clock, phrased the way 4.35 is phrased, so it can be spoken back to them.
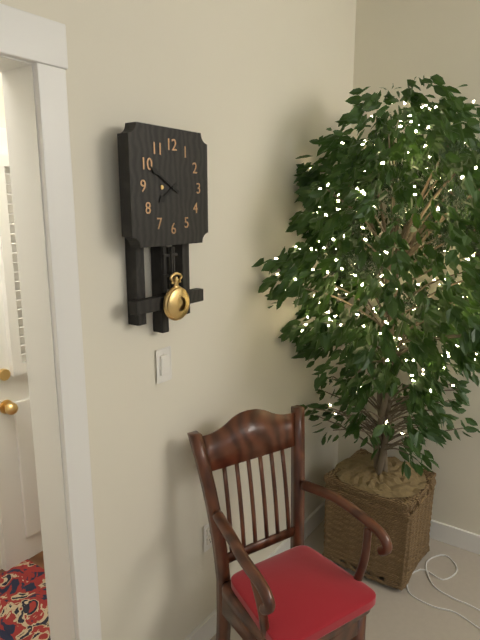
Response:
7.50
